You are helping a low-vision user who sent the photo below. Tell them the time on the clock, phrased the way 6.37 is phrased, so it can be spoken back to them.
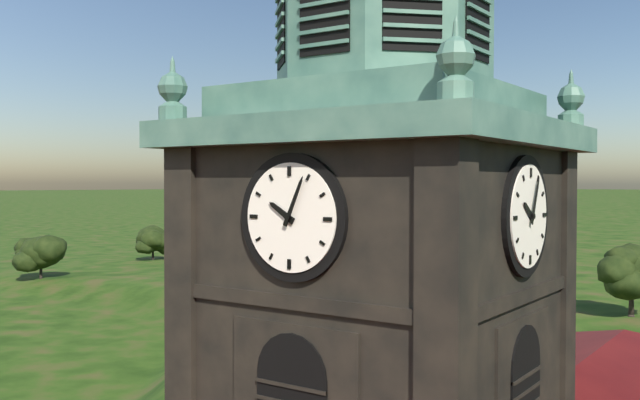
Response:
10.04
